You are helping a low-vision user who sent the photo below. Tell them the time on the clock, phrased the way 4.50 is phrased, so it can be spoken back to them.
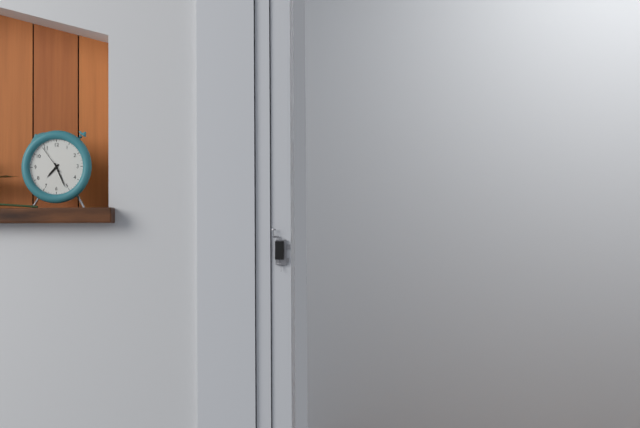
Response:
7.26
